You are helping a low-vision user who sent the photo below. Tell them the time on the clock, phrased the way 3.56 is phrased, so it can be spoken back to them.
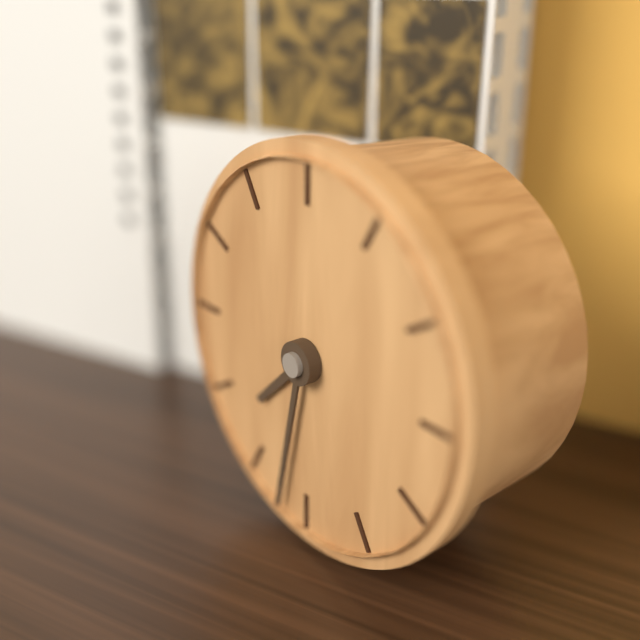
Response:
7.32
